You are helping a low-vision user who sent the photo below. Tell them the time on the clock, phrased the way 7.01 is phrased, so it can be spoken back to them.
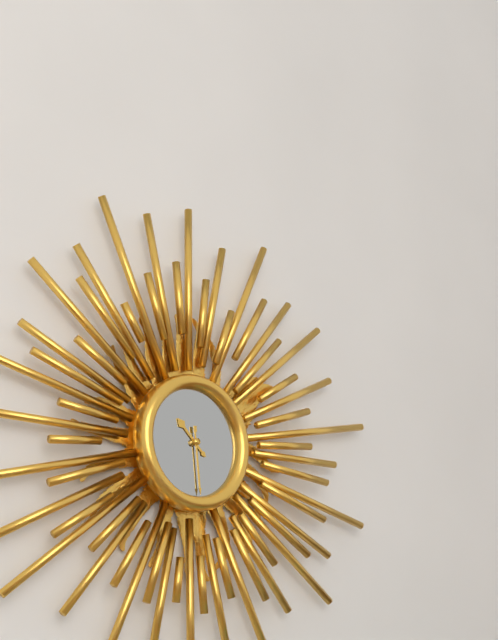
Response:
10.29
